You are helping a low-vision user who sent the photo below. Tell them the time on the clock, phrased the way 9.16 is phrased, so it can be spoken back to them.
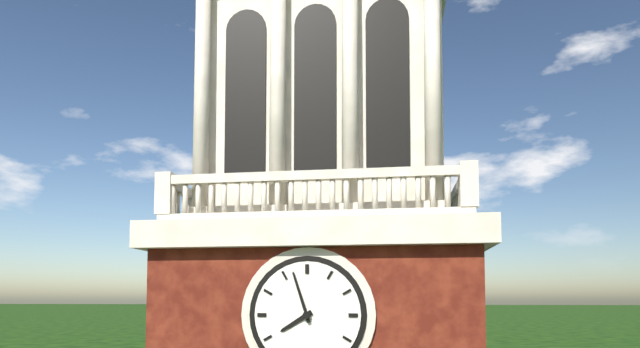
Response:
7.57
